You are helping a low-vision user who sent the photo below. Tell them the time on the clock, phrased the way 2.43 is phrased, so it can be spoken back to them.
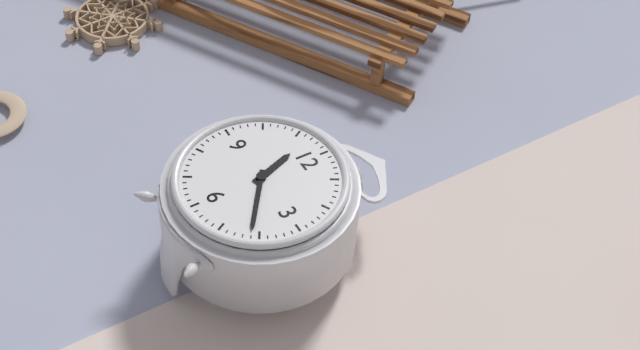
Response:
11.21
